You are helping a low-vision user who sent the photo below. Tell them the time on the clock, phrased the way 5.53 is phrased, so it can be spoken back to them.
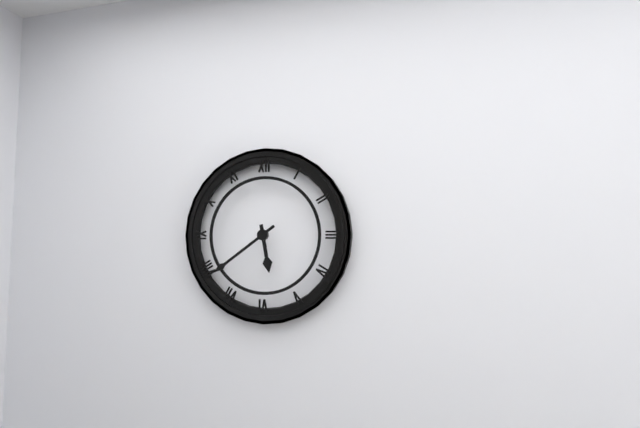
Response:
5.39
